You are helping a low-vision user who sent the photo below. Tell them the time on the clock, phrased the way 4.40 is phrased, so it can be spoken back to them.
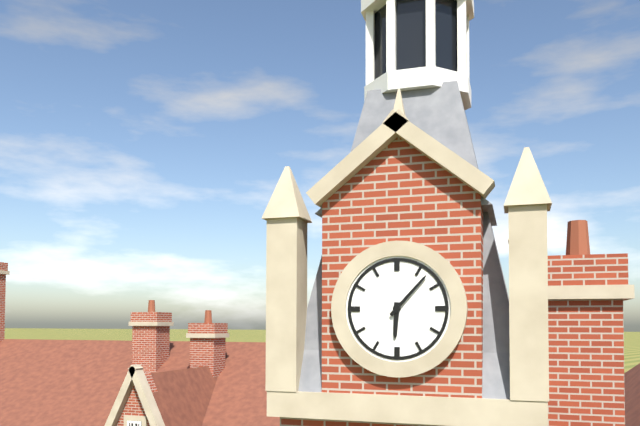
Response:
6.07
